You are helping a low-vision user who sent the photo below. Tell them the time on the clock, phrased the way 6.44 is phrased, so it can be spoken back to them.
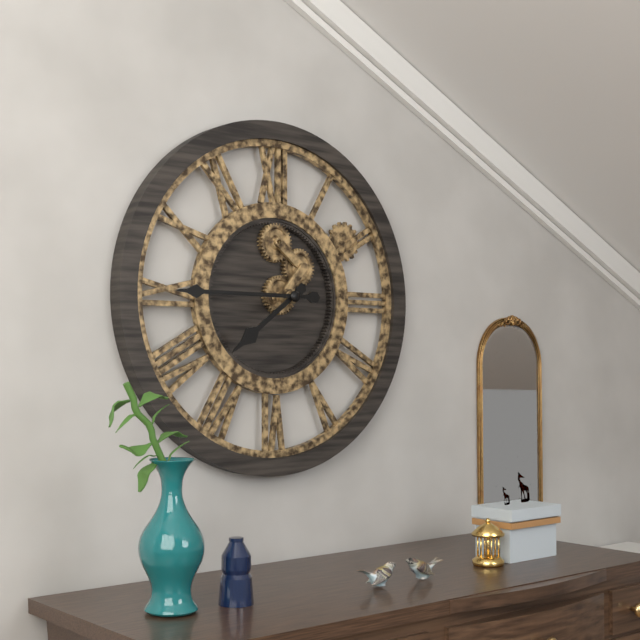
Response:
7.45
